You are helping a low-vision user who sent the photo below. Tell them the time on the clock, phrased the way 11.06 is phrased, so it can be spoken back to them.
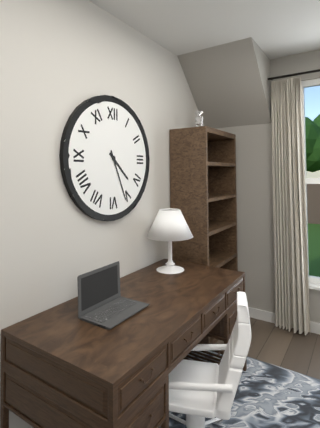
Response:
4.26
